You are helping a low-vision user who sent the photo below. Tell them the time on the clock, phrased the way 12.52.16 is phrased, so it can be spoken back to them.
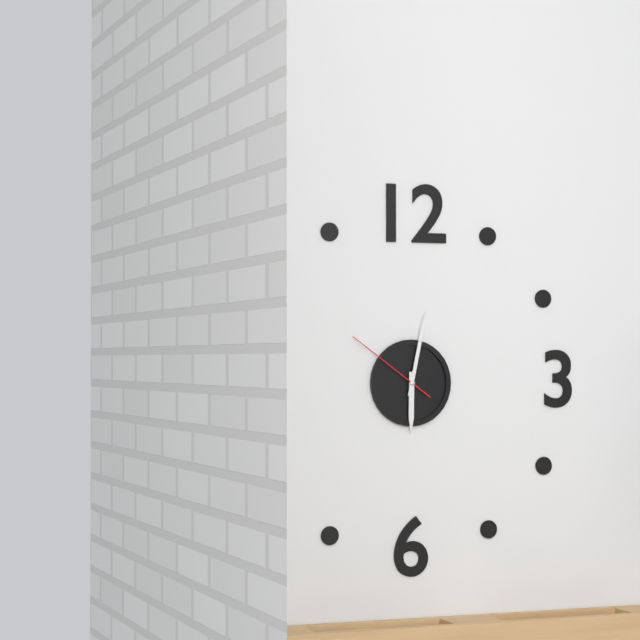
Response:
6.02.51
